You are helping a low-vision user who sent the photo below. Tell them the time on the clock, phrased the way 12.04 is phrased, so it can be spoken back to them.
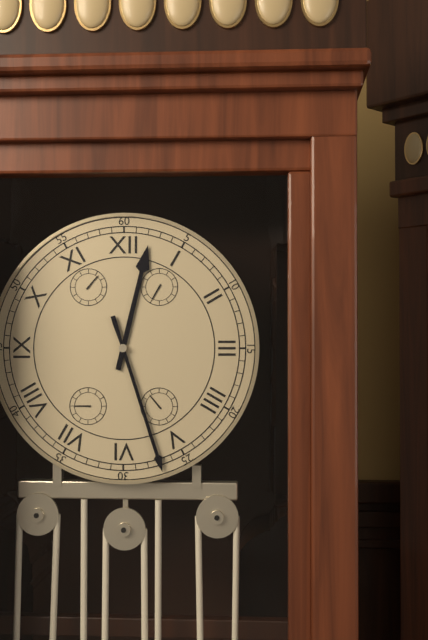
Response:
12.27
